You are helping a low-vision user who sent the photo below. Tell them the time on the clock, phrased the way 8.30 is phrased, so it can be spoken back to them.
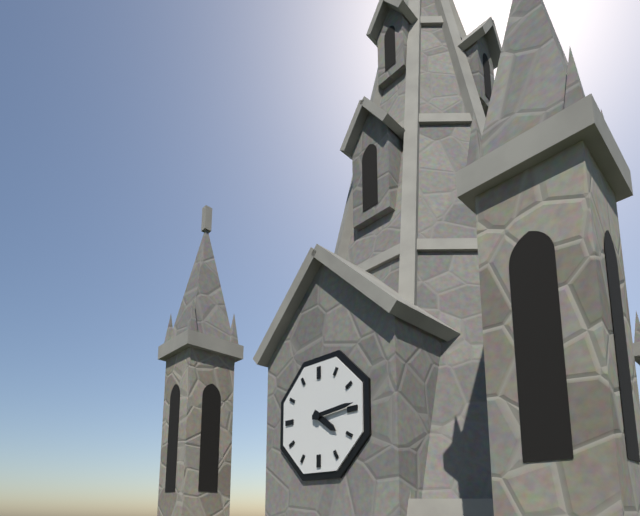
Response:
4.14
